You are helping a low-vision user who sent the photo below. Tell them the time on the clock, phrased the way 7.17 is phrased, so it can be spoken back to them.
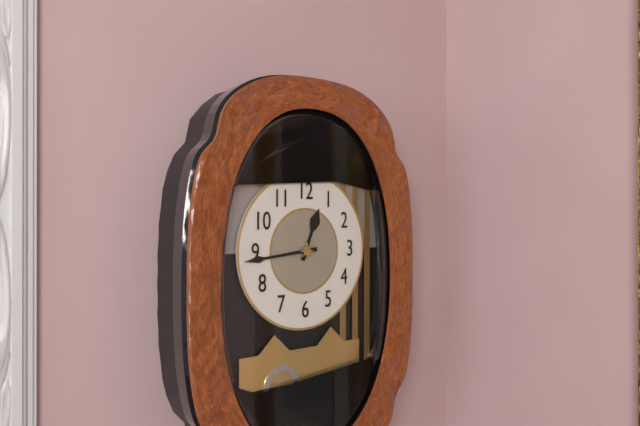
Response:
12.44
